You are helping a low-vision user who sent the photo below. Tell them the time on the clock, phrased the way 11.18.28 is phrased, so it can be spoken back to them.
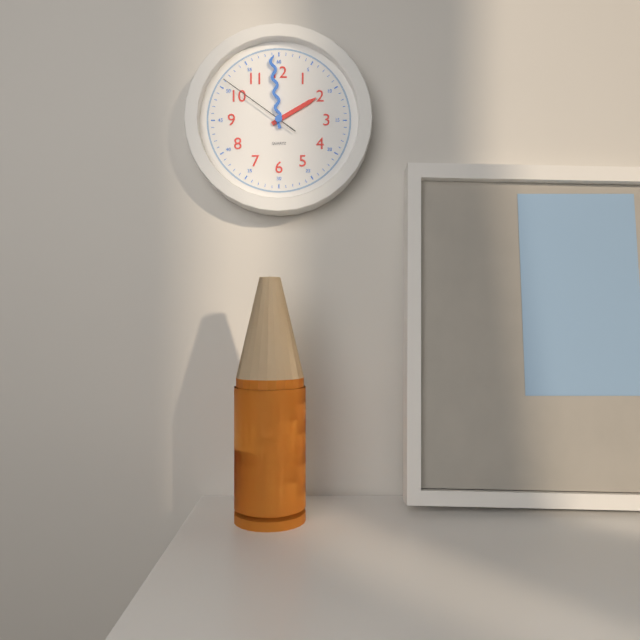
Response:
1.59.51
